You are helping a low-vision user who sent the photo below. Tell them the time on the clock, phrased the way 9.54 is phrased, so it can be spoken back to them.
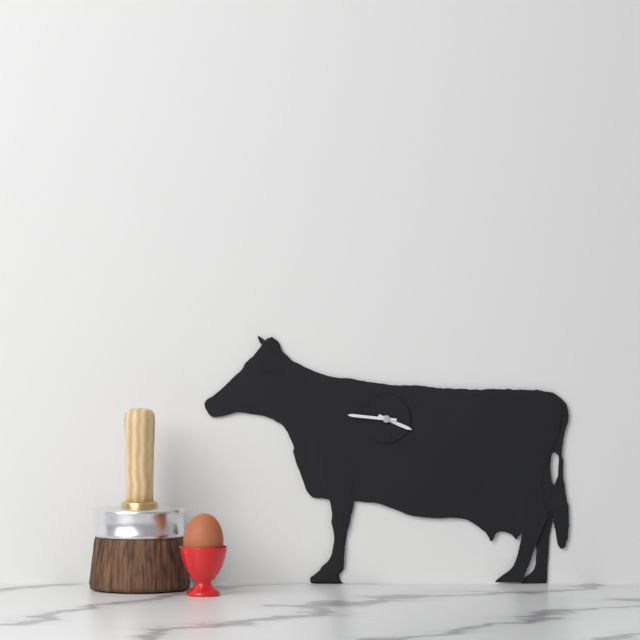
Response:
3.46
